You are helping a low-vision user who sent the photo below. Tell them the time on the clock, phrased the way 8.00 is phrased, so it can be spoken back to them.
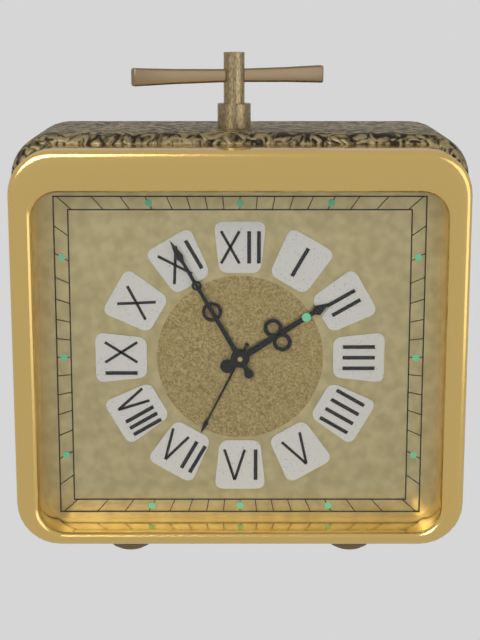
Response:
1.55
